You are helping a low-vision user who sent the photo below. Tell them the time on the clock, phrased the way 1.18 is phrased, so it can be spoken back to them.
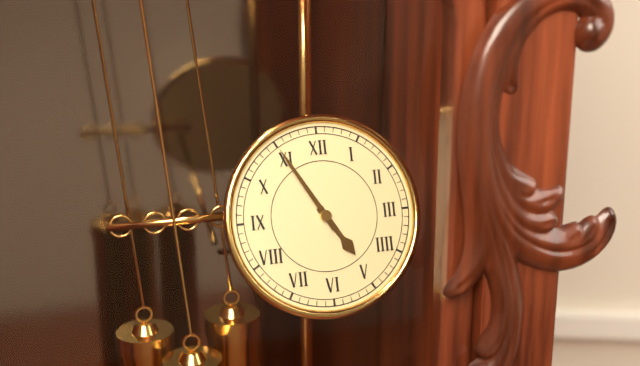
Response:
4.55
